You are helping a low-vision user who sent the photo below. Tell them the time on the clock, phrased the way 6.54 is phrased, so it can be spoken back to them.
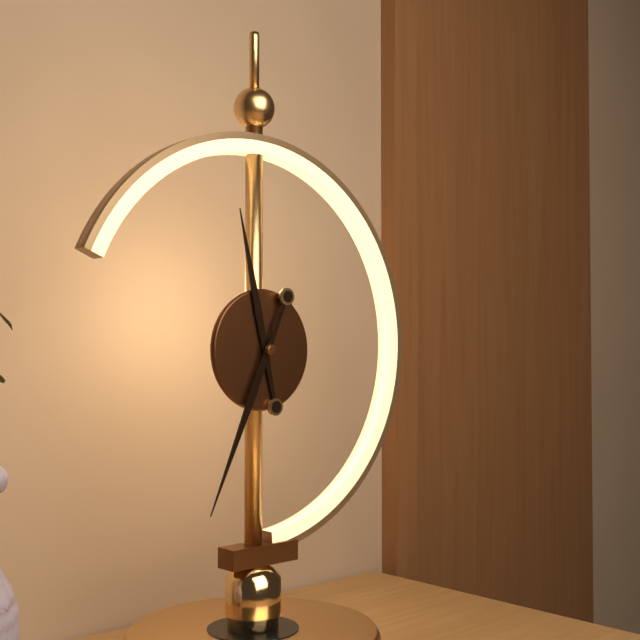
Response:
11.34
